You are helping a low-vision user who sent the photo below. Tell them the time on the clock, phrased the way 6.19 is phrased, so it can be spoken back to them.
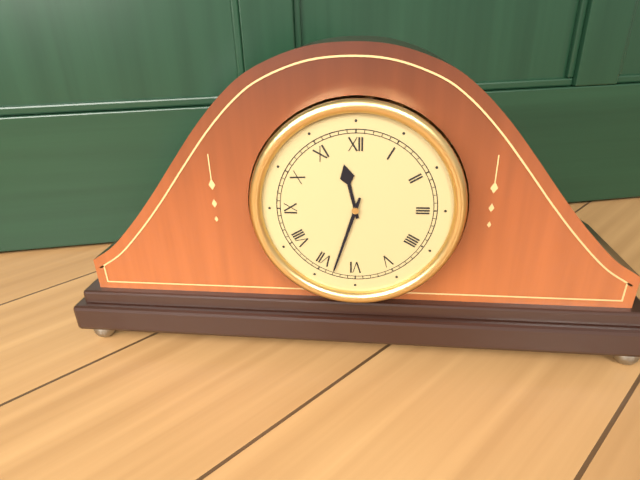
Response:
11.33
